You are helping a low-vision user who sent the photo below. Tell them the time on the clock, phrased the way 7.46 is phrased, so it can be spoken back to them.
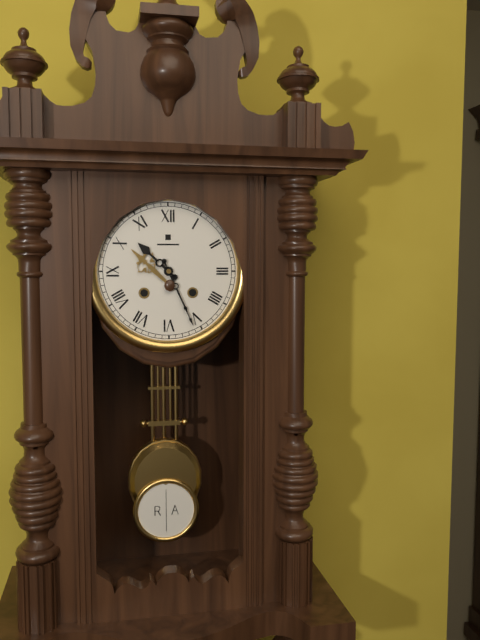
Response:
10.26
